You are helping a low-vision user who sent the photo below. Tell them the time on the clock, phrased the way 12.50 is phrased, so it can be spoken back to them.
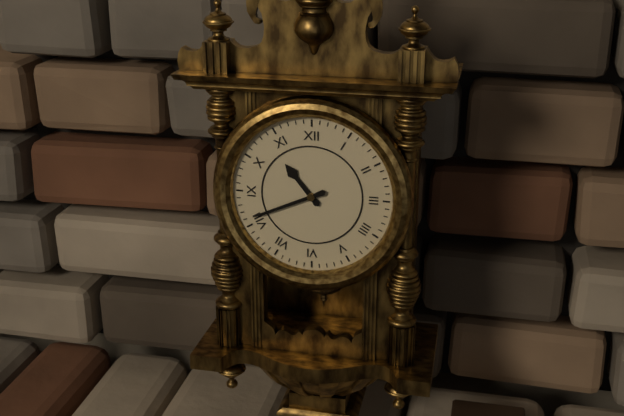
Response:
10.41
